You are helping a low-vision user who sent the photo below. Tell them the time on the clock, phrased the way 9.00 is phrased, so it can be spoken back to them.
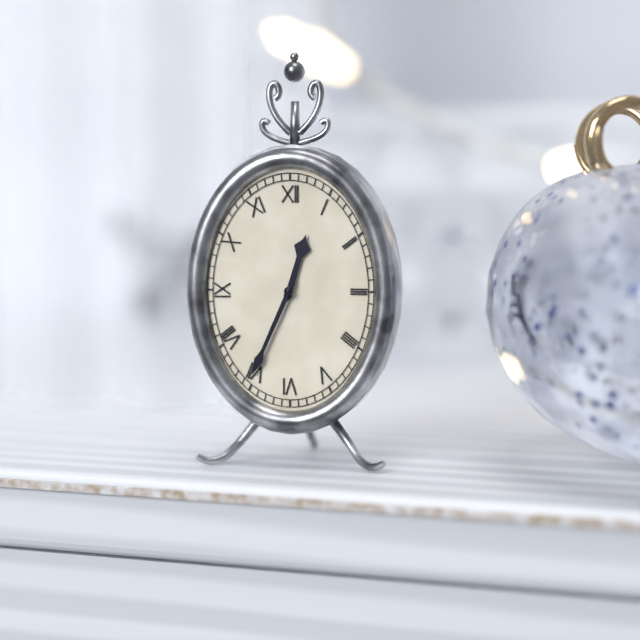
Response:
12.34
